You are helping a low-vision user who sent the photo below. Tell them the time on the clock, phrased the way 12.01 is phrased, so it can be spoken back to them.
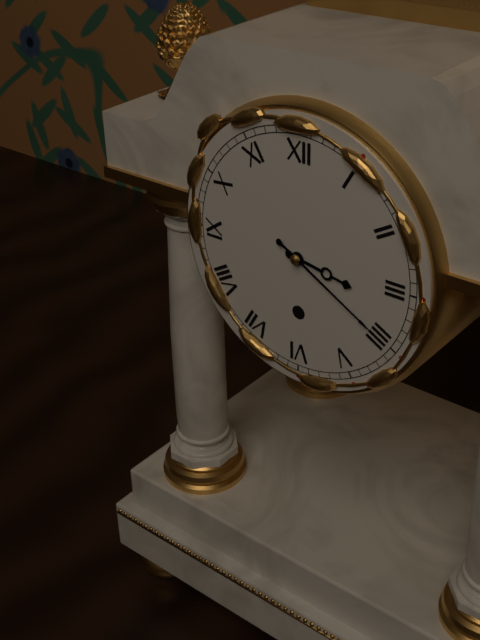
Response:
3.20
